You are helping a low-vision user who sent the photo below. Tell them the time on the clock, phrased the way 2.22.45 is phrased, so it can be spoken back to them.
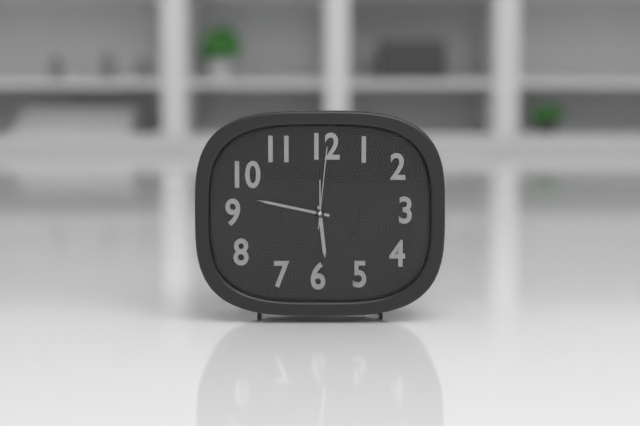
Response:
5.47.01
